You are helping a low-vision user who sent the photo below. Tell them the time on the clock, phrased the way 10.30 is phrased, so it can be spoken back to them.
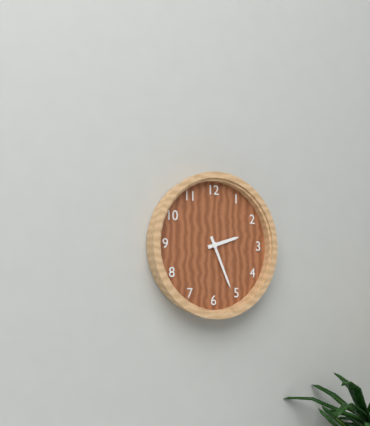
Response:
2.26
